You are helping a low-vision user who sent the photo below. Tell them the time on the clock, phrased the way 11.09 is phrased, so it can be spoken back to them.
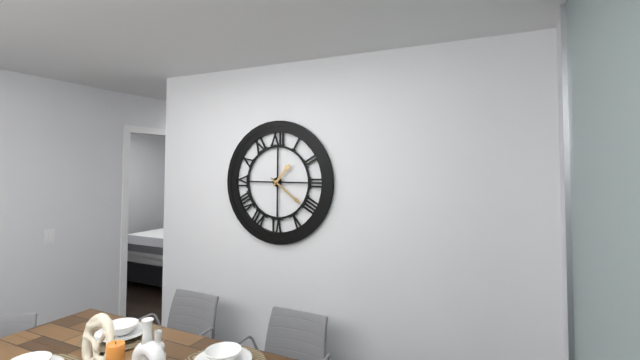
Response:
1.21
